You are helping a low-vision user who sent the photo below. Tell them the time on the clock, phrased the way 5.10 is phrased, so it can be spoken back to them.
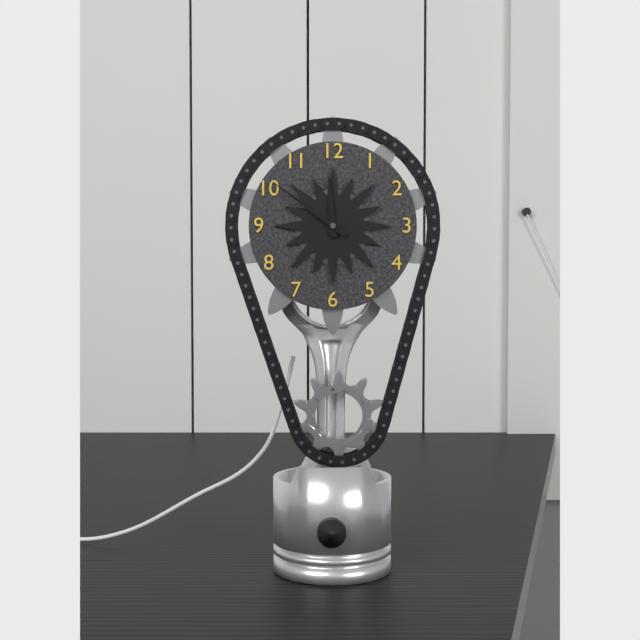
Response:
11.51
